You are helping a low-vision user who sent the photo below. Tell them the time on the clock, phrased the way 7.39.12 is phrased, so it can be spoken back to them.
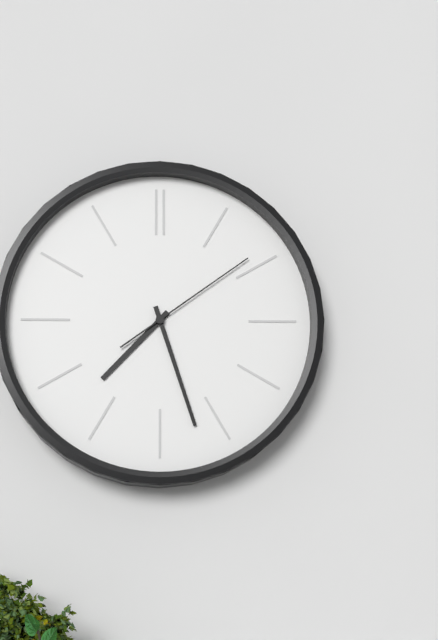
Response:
7.27.09
